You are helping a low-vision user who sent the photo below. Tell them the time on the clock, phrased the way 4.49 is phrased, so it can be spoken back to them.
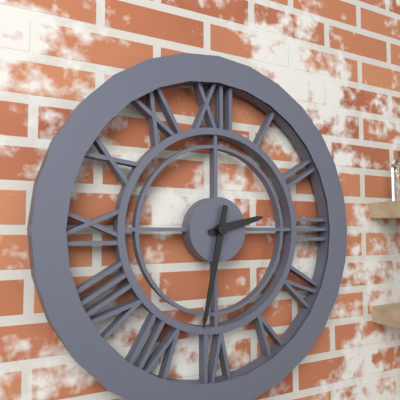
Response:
2.32
